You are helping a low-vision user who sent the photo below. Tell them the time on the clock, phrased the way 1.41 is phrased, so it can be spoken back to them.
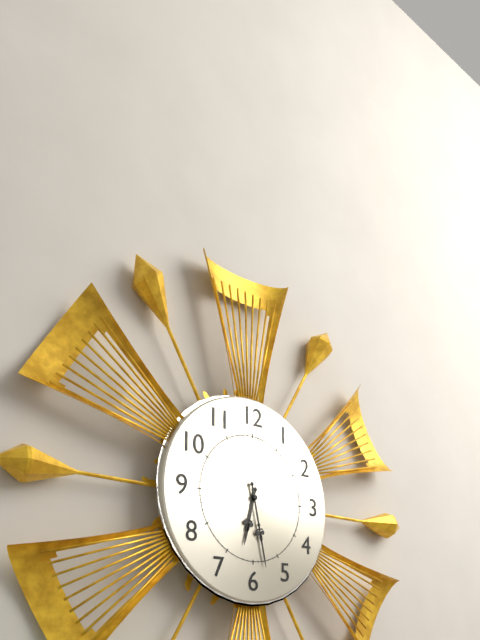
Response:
6.28
